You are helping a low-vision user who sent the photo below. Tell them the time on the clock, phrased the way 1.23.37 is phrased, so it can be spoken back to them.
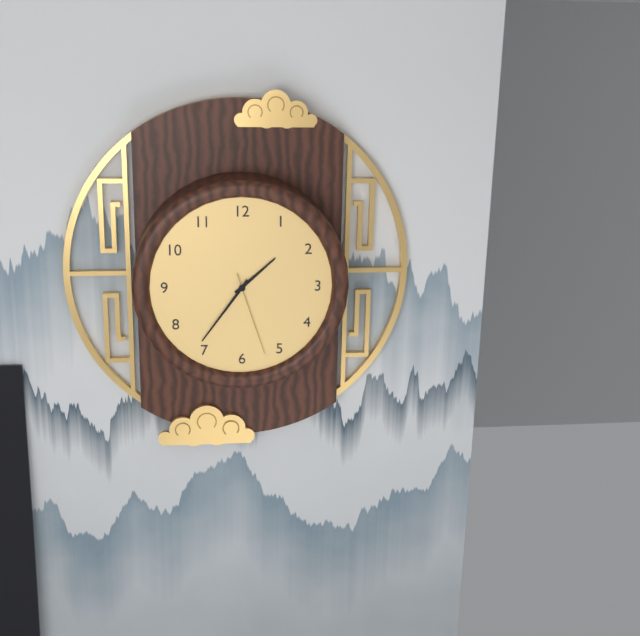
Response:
1.36.27
